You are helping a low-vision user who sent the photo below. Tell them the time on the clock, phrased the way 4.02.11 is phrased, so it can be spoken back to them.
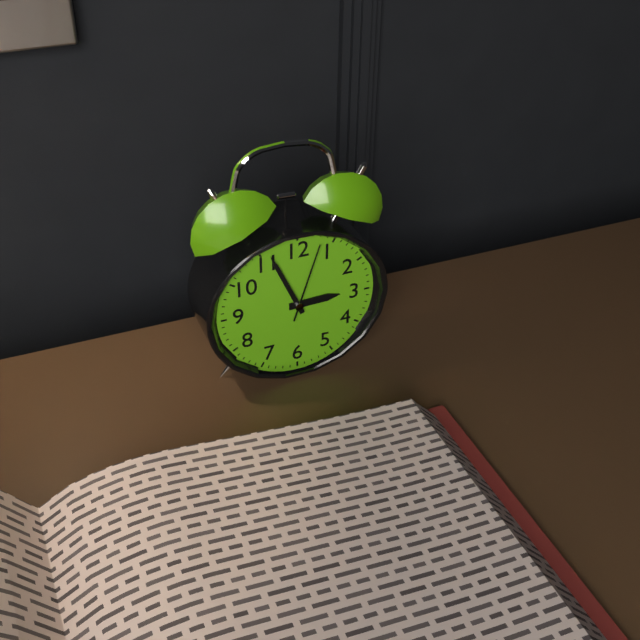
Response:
2.56.03
